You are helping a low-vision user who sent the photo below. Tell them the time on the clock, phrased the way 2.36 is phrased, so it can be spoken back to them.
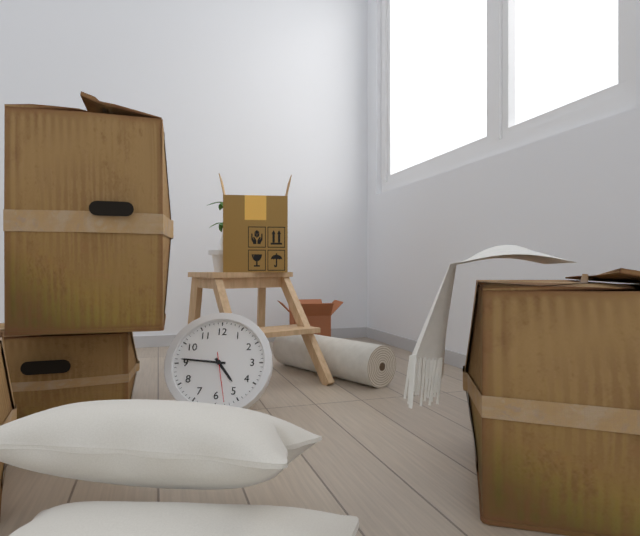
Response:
4.46
